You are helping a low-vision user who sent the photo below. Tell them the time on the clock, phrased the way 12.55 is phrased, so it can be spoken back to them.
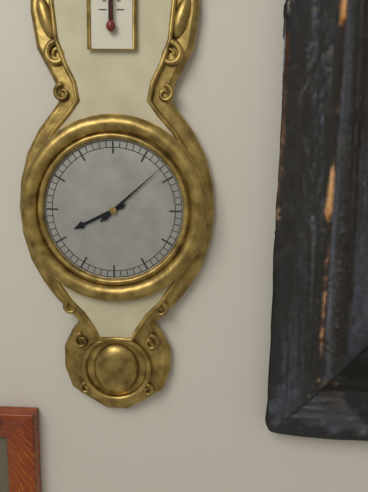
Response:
8.08
